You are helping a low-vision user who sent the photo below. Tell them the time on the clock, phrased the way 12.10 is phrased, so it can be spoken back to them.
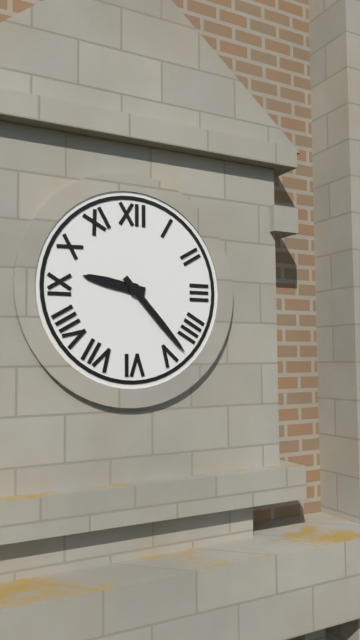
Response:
9.23
